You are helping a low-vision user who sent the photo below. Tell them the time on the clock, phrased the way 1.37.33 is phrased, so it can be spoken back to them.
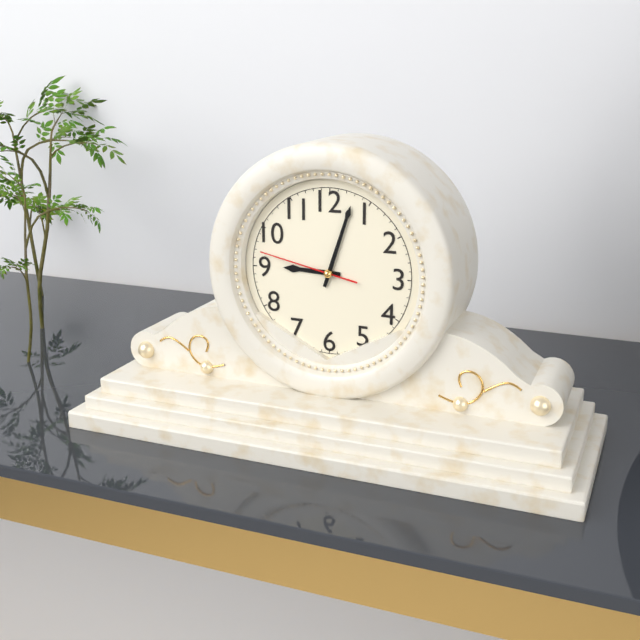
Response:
9.03.47
